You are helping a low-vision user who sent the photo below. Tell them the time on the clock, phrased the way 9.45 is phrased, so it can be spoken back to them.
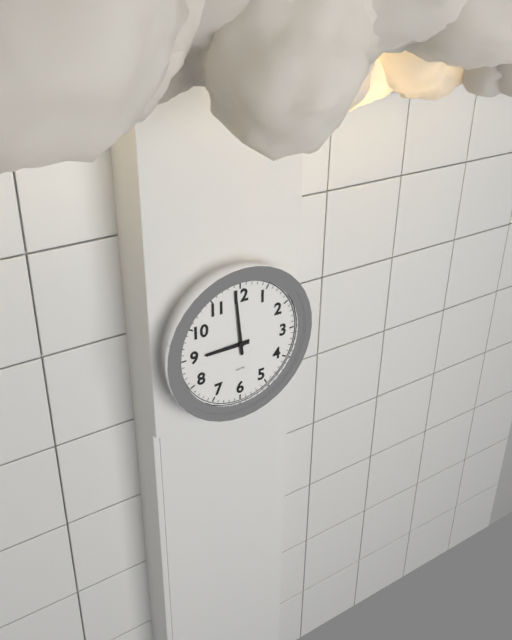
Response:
8.59
